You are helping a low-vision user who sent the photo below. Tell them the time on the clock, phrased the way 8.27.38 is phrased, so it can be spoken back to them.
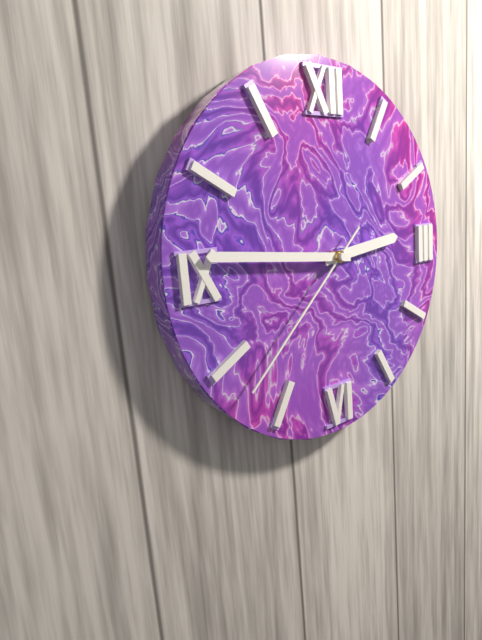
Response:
2.46.38
